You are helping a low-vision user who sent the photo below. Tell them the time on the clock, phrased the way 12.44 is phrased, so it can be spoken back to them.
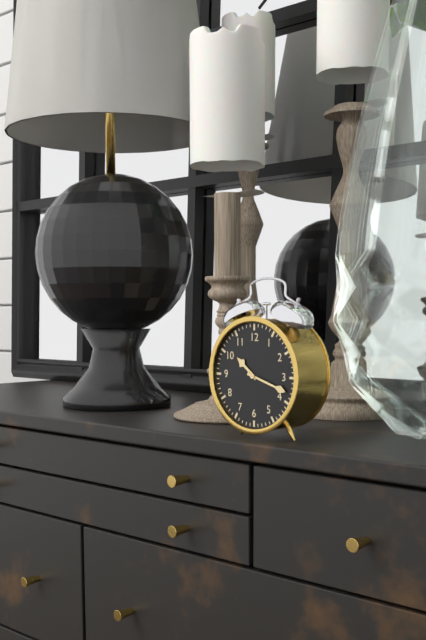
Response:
10.18
